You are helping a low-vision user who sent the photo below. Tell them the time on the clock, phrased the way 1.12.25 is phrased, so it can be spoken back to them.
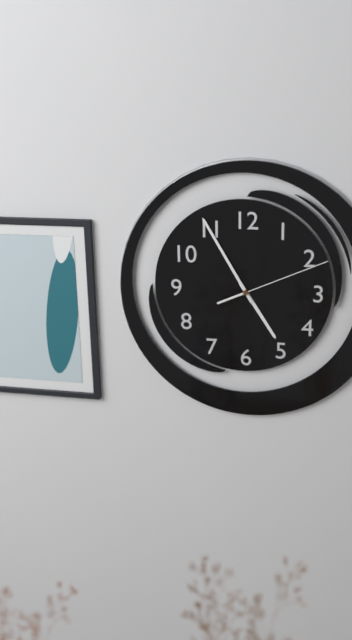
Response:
4.55.11
